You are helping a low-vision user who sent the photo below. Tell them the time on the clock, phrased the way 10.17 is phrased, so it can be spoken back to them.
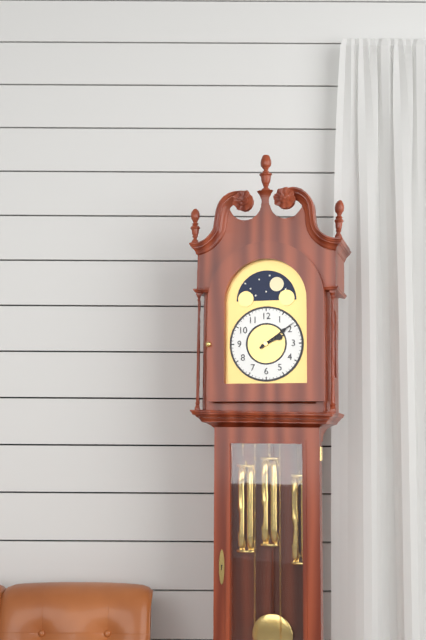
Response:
2.09
